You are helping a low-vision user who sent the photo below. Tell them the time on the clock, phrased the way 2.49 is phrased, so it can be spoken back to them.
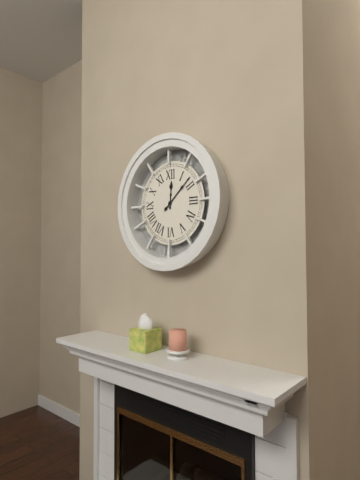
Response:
12.08
